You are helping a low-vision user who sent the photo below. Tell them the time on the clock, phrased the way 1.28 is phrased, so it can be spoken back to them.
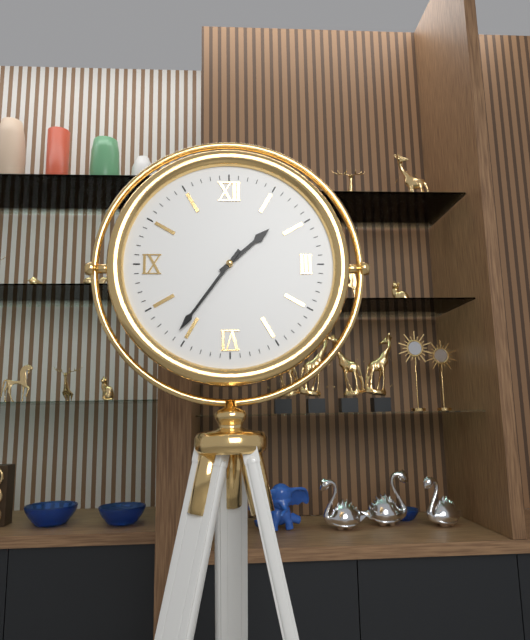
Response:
1.36
